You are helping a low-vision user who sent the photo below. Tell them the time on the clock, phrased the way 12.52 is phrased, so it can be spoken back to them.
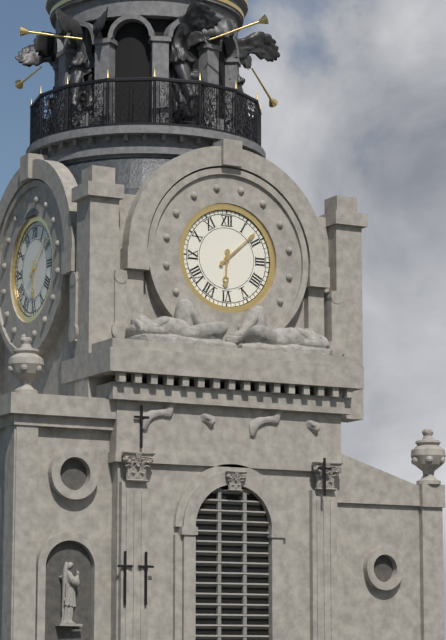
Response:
6.08
